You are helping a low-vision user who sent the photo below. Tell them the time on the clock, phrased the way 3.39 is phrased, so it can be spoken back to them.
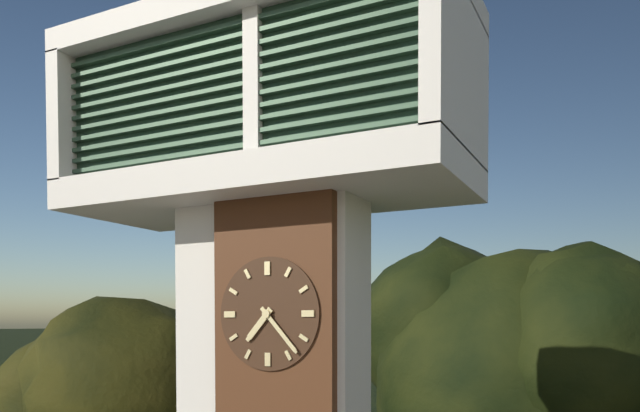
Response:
7.23
